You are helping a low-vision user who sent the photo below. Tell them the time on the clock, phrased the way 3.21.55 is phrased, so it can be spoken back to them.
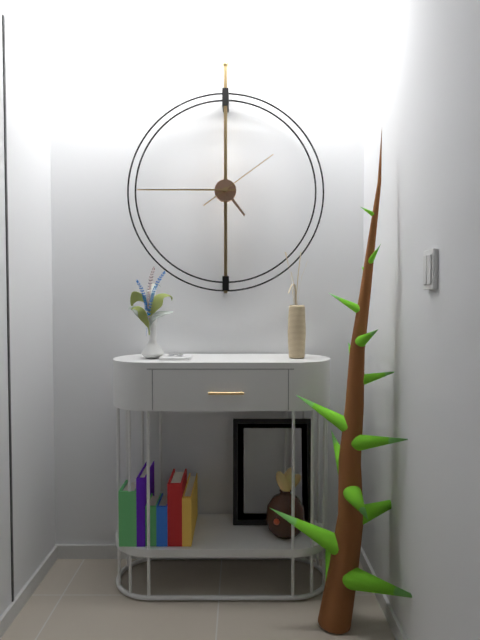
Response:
4.45.09
